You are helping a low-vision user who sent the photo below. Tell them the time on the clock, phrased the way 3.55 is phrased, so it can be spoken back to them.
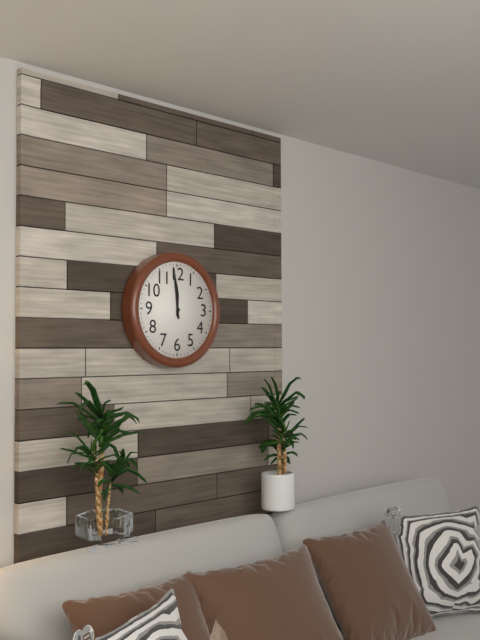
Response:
11.59
